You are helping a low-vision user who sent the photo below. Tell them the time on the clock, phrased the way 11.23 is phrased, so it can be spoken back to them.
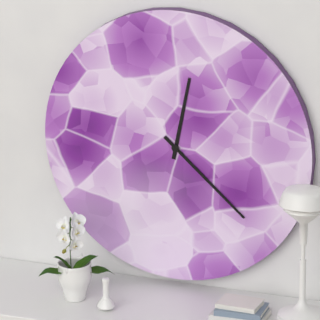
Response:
12.22
